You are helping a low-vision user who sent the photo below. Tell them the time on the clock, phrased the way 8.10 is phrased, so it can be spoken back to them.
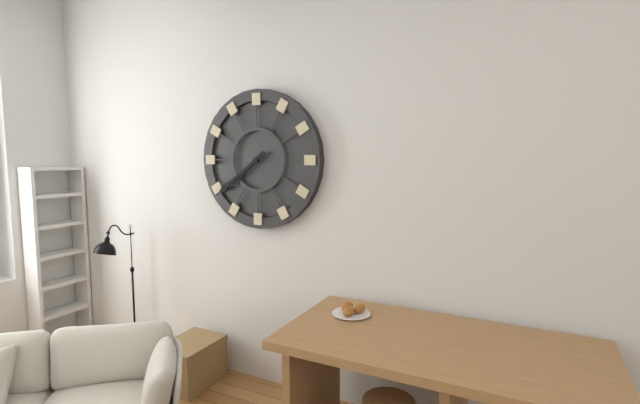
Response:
7.39
